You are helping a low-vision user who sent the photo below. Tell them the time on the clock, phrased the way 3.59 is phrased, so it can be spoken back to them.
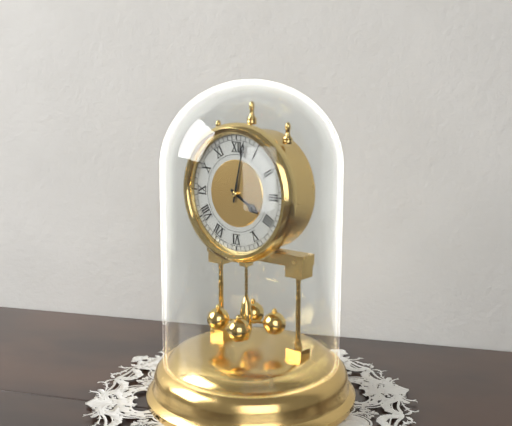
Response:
4.02
